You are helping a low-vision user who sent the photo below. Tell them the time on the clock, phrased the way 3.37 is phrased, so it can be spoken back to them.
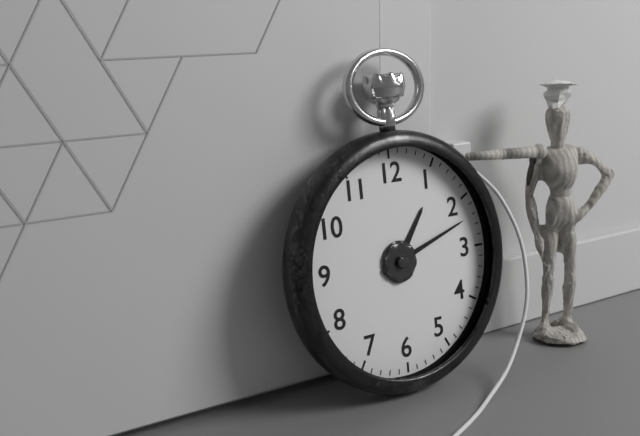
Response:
1.12
